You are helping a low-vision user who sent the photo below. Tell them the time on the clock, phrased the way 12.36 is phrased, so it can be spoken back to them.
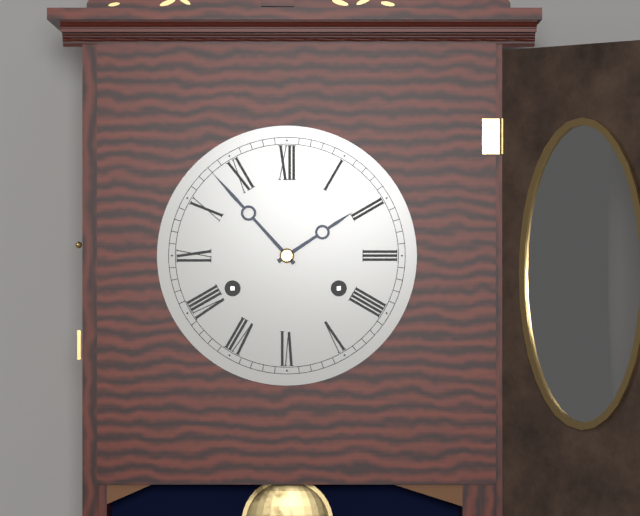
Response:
1.53
